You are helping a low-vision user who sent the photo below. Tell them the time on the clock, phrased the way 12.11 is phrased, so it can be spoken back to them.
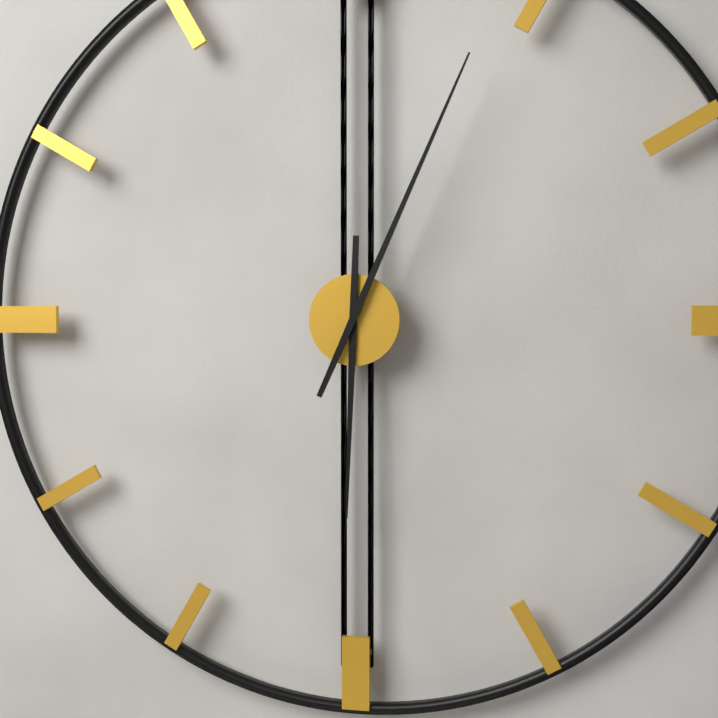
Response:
6.04
